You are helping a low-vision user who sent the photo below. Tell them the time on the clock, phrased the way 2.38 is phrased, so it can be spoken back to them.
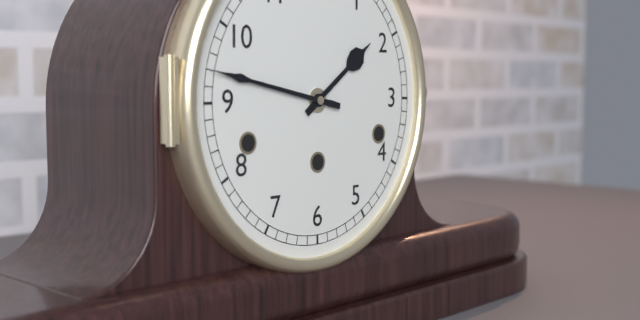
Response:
1.47
